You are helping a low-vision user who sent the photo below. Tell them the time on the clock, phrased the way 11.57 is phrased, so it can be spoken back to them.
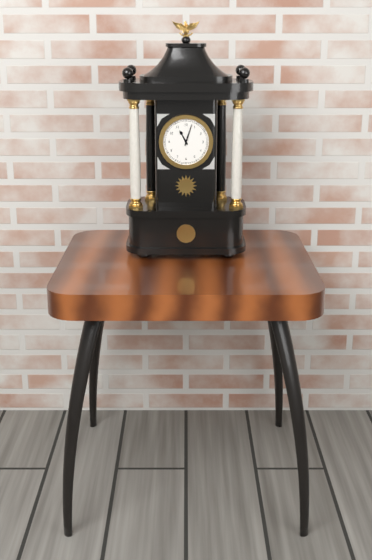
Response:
11.03
